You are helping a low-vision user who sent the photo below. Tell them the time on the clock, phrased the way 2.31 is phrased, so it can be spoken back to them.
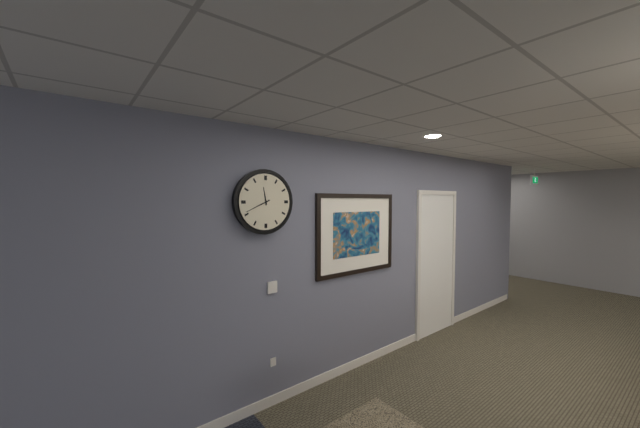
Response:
11.41
